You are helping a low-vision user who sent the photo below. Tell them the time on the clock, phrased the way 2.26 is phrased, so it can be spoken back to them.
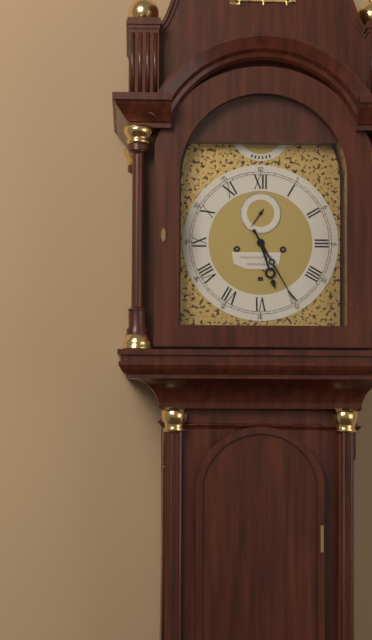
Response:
5.25
